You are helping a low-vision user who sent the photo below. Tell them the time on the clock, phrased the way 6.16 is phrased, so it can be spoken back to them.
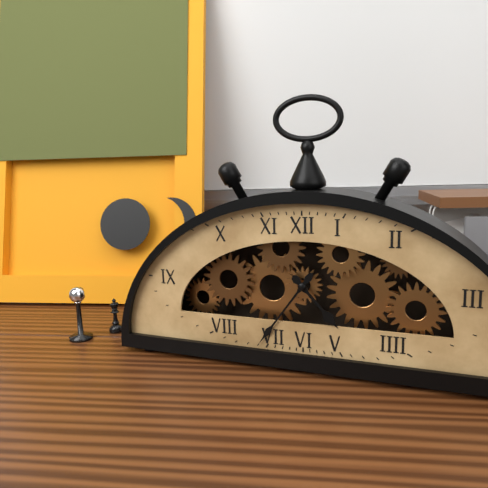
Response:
4.36
